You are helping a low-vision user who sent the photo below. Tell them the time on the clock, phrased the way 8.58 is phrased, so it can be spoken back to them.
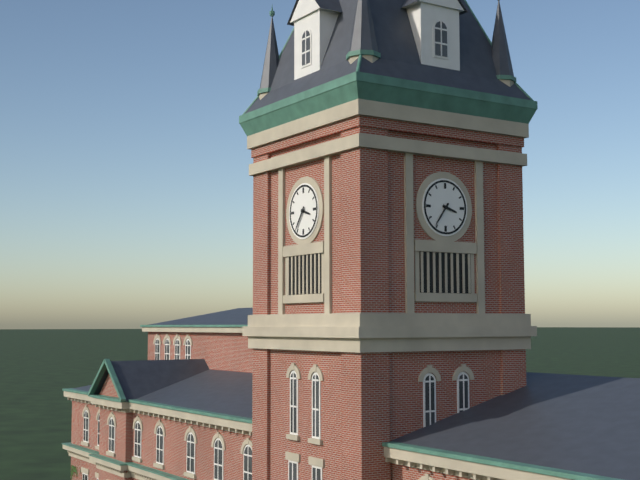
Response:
3.36
